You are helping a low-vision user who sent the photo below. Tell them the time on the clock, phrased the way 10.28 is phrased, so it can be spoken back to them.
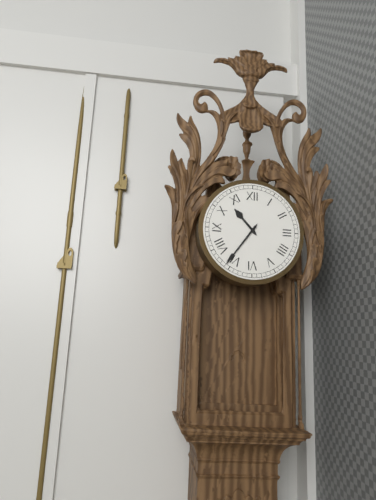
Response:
10.36
